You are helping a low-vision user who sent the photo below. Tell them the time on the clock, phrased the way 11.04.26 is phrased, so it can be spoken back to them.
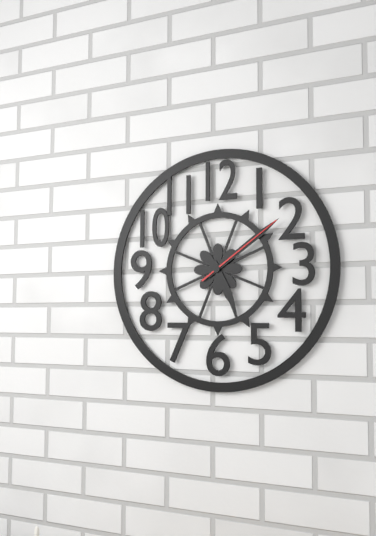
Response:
5.09.09
